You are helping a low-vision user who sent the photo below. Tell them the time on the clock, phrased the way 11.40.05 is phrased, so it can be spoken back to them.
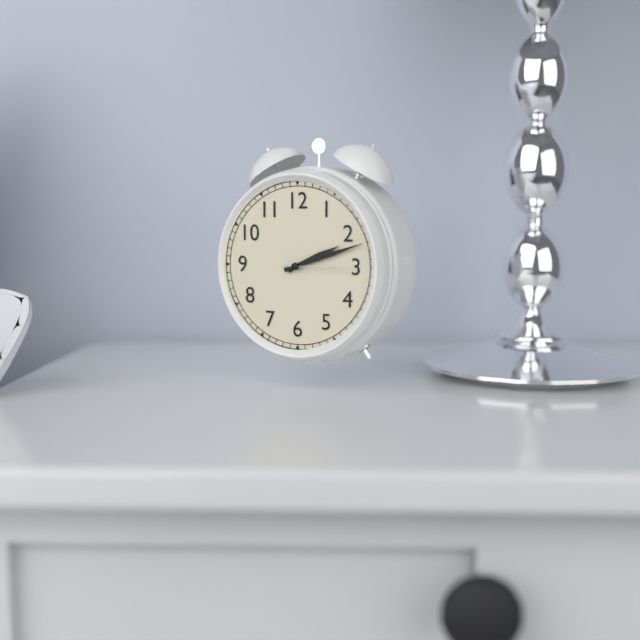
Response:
2.12.15
